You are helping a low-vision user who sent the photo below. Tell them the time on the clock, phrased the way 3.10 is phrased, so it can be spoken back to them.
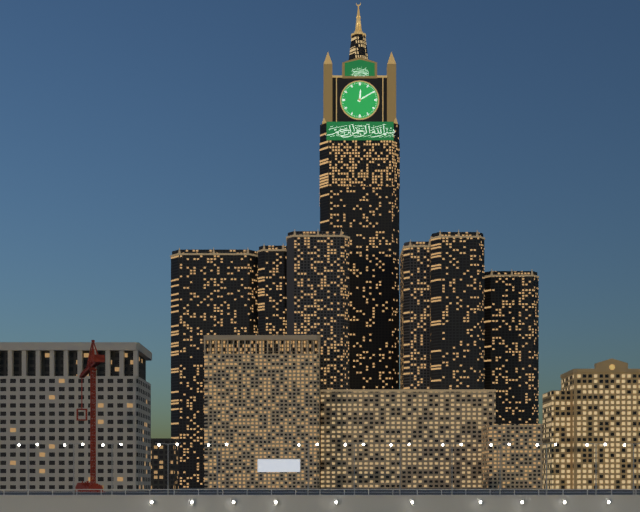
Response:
12.10
